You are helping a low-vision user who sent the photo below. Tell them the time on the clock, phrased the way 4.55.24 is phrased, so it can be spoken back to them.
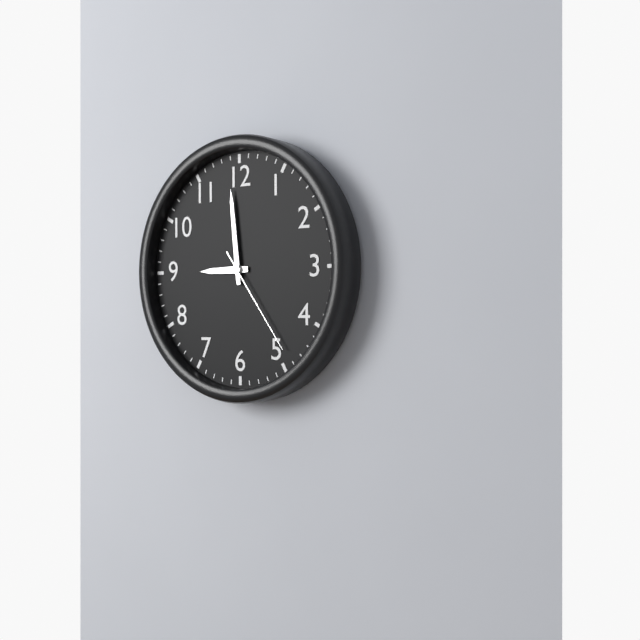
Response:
8.59.24
